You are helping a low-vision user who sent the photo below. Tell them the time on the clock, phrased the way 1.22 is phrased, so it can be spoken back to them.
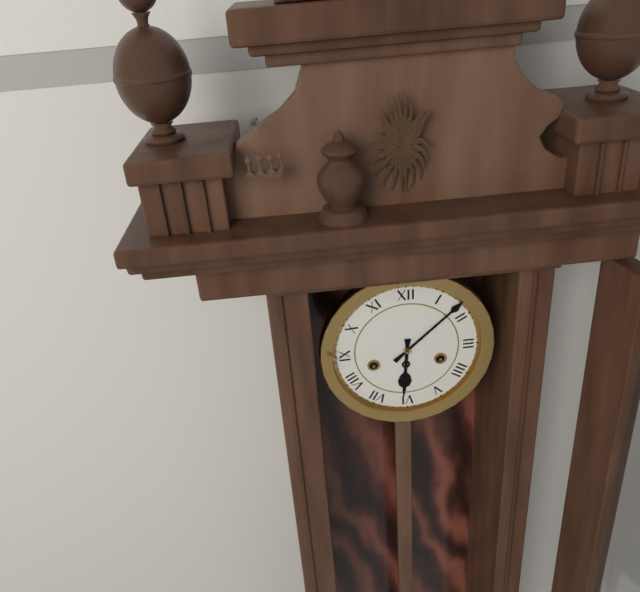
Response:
6.08
